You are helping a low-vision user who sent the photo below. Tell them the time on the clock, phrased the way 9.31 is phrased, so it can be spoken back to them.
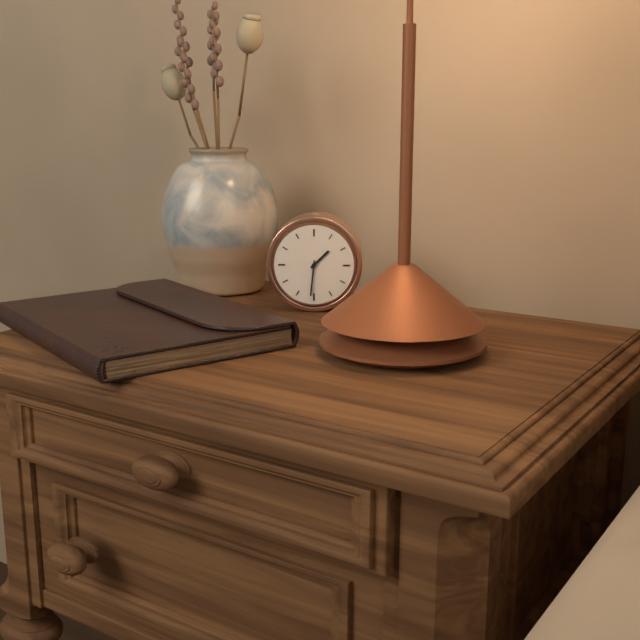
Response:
1.31
